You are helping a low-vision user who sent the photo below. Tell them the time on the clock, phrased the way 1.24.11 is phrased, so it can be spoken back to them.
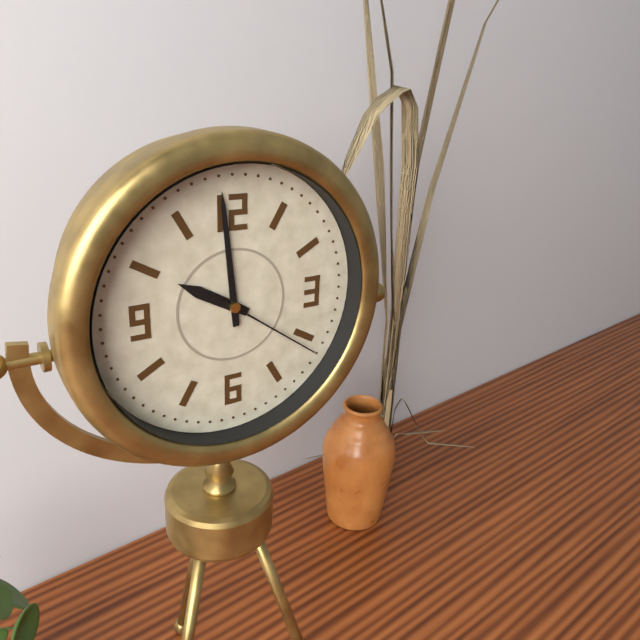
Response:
9.59.21
